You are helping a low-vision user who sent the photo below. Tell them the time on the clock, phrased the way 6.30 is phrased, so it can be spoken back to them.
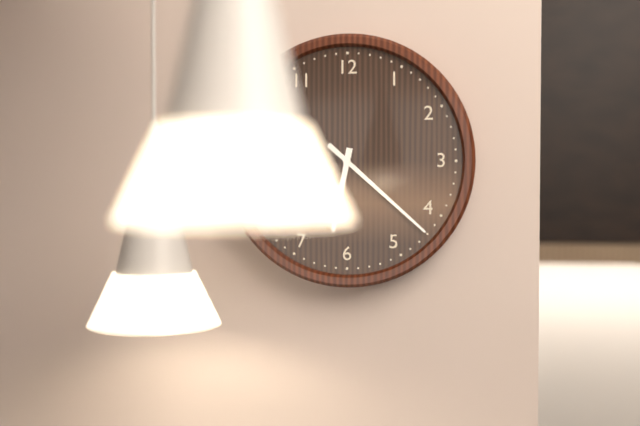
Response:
6.22
